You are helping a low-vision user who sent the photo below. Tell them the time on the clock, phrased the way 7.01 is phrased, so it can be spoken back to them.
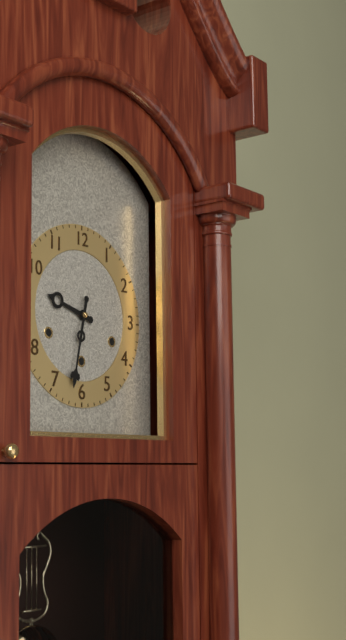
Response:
9.32
